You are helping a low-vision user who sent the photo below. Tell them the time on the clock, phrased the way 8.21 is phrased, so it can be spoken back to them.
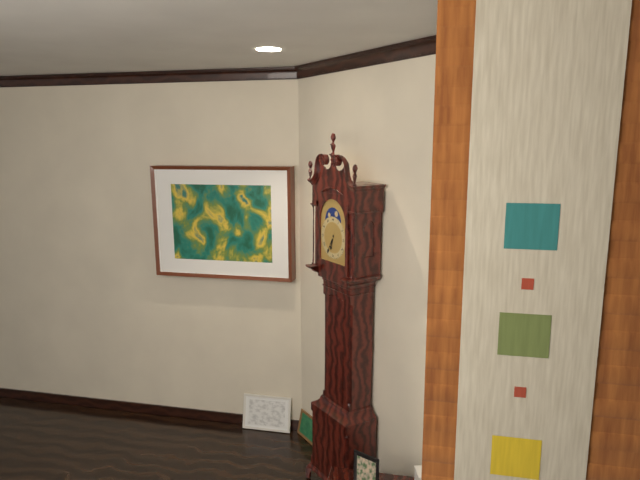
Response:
6.35
